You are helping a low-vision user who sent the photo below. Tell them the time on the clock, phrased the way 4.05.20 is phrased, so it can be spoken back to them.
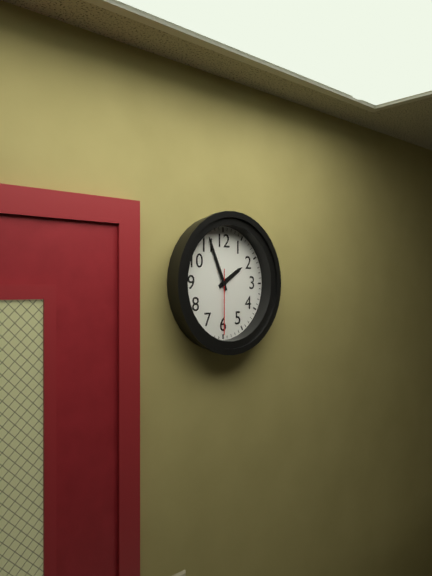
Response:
1.56.30
